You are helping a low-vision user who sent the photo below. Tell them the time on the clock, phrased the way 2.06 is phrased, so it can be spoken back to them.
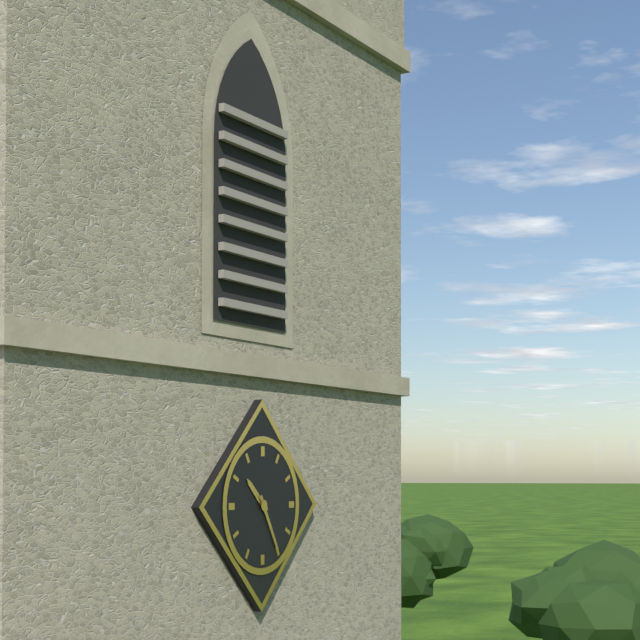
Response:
10.25
